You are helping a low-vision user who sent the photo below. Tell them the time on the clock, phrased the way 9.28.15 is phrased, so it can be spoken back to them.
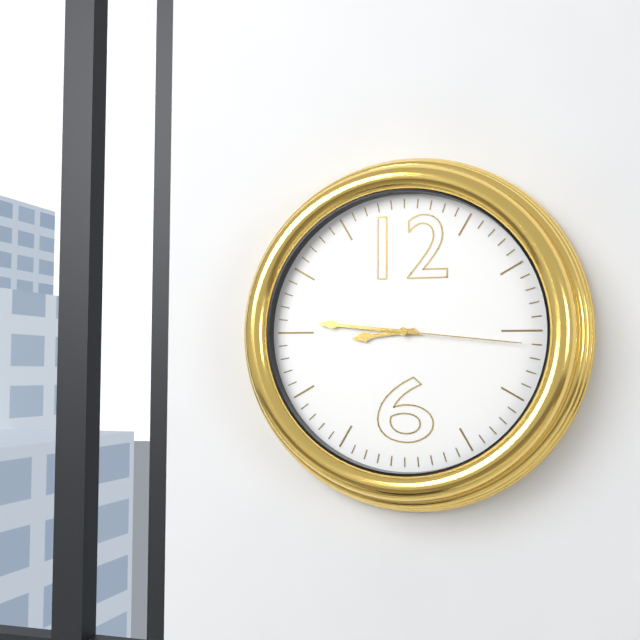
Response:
8.46.16
